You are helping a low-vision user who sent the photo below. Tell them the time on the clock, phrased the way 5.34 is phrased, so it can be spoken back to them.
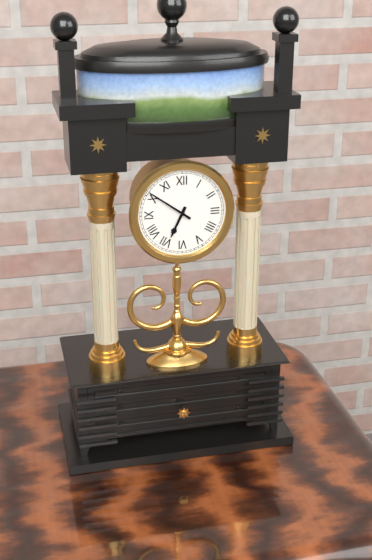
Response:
6.51
